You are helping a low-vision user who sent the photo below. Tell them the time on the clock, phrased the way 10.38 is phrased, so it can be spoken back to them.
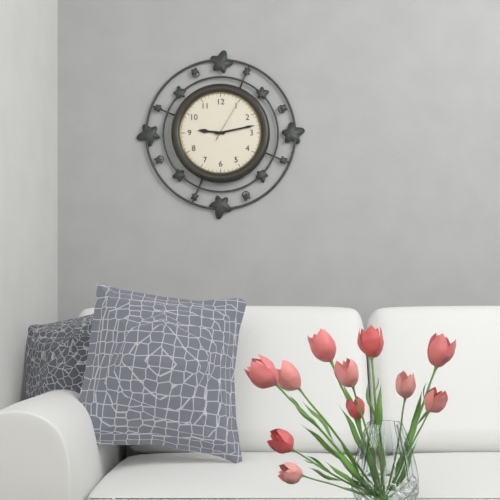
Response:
9.13
